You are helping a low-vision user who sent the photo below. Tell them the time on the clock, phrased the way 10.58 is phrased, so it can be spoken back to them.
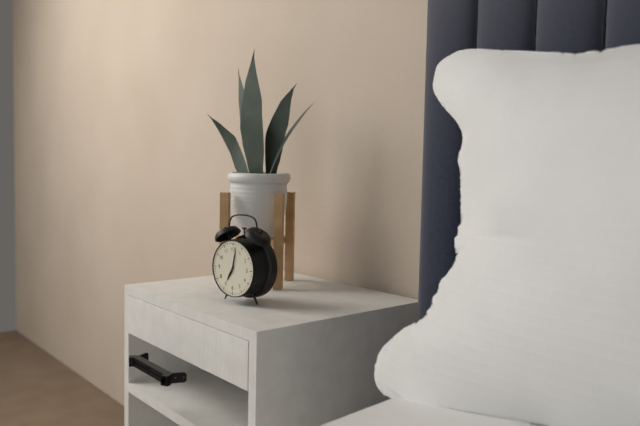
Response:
7.02
